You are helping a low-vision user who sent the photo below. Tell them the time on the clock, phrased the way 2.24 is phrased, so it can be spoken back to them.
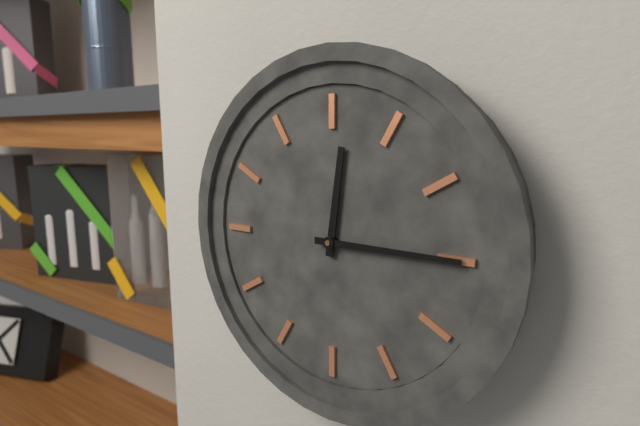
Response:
12.15
